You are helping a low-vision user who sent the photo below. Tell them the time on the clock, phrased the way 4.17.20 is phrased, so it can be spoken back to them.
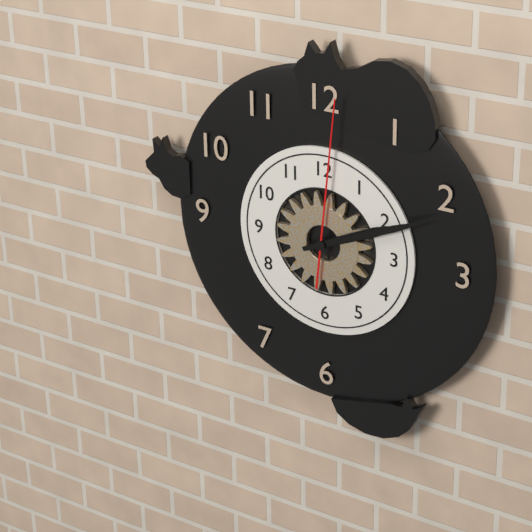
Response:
2.11.01
